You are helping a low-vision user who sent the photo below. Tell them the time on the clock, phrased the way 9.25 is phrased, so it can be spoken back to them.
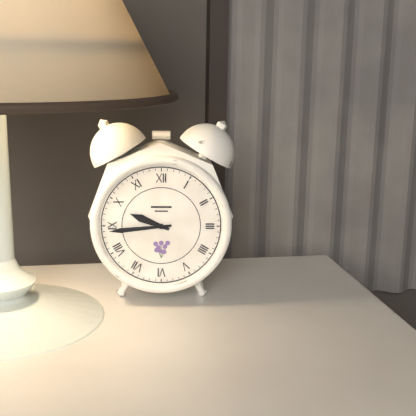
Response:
9.44
